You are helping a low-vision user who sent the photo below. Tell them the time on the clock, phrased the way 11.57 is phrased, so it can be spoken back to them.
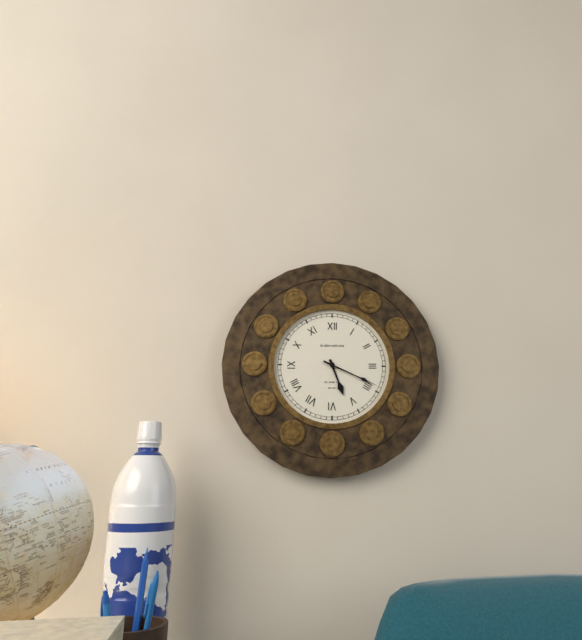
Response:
5.19
